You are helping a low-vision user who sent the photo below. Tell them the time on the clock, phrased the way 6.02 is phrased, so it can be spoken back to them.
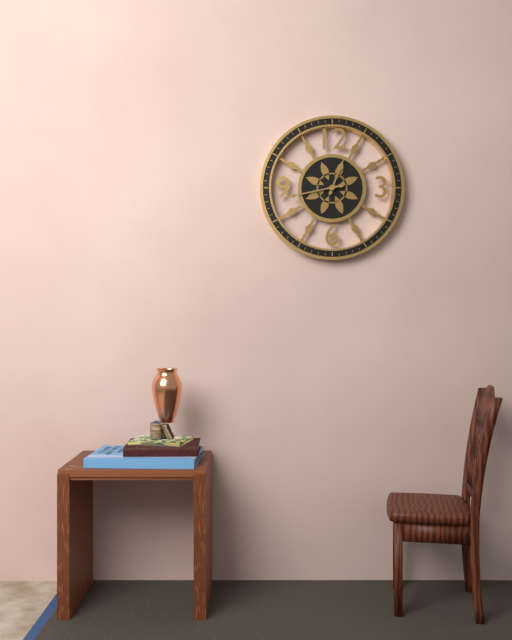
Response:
12.43
